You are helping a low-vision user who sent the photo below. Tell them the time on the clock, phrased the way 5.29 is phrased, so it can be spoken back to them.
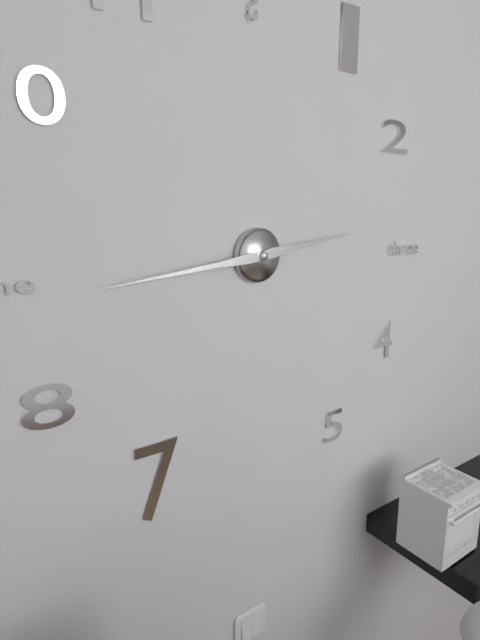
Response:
2.44
